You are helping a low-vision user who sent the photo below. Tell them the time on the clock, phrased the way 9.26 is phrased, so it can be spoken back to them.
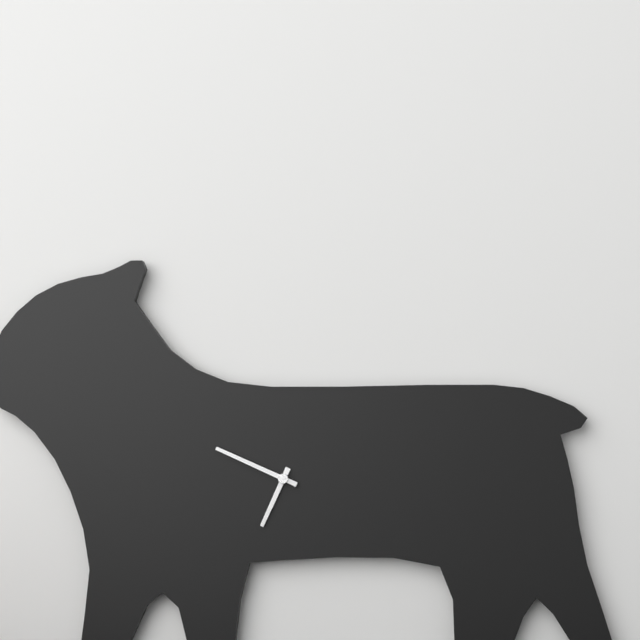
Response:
6.49
